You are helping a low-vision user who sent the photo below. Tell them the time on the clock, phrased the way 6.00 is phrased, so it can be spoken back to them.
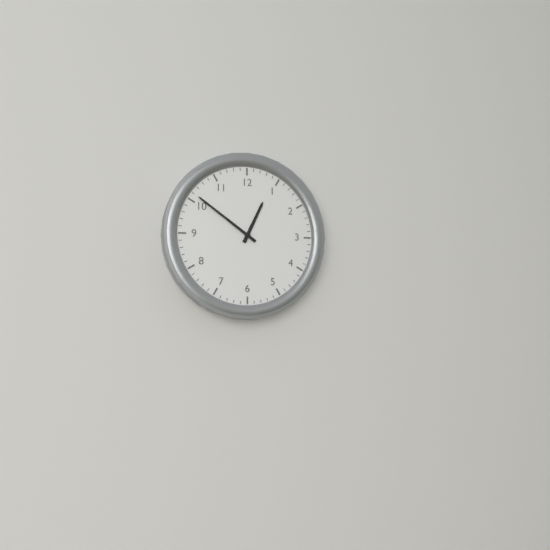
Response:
12.51
